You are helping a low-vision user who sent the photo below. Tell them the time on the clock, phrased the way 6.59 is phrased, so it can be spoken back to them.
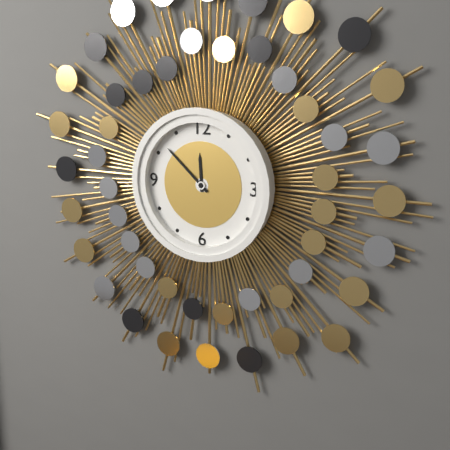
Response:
11.52
